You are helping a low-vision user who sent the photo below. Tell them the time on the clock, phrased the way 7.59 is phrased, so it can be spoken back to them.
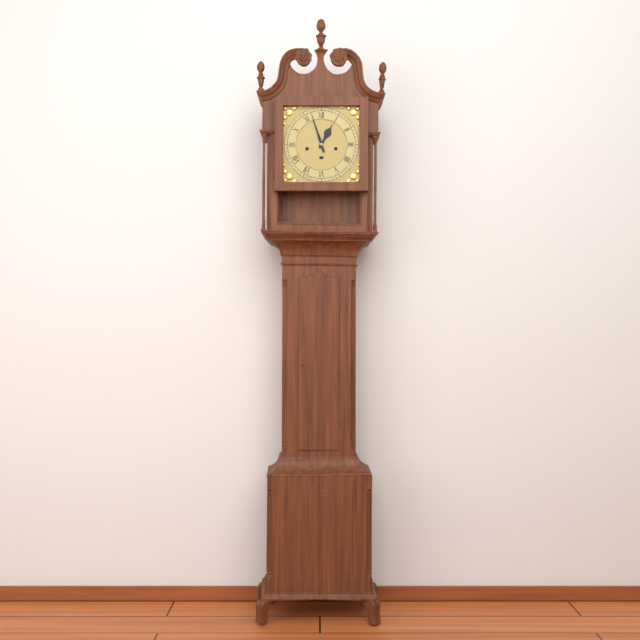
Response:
12.57
